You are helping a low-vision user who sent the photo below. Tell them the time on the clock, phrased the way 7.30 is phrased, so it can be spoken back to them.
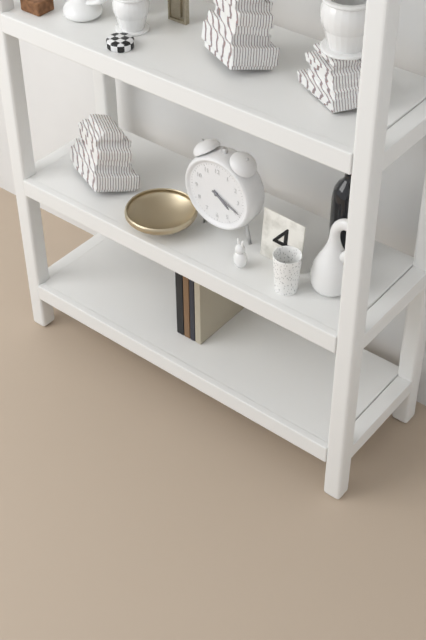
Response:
4.19
